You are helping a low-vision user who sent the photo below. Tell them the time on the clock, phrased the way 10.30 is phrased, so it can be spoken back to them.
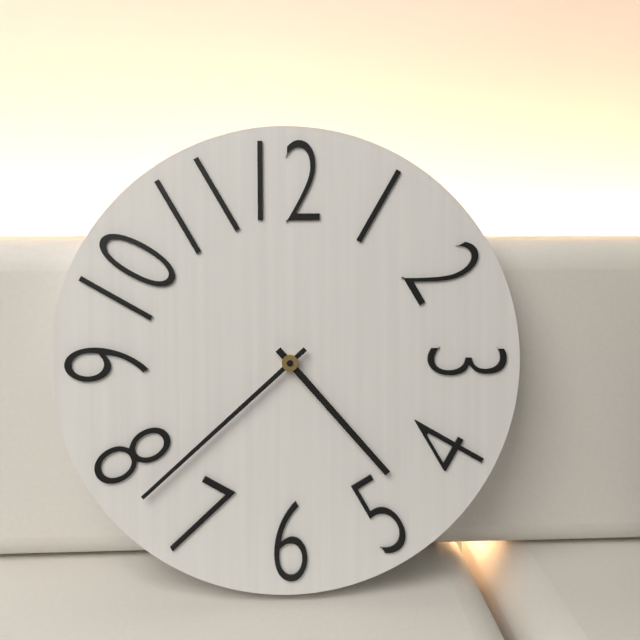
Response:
4.38
